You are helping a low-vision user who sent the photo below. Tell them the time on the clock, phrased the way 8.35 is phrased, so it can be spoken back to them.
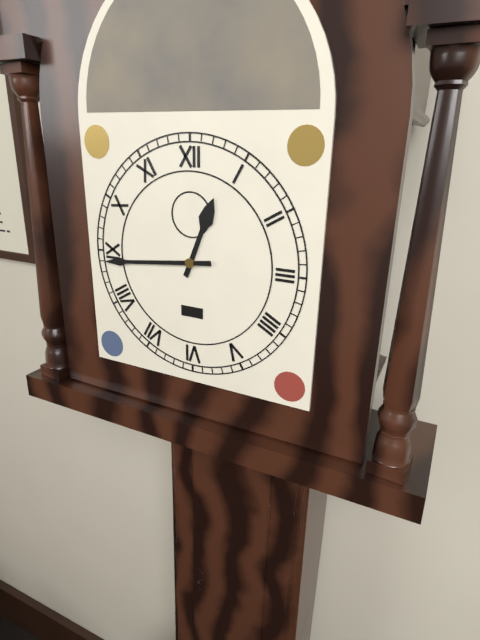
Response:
12.44
